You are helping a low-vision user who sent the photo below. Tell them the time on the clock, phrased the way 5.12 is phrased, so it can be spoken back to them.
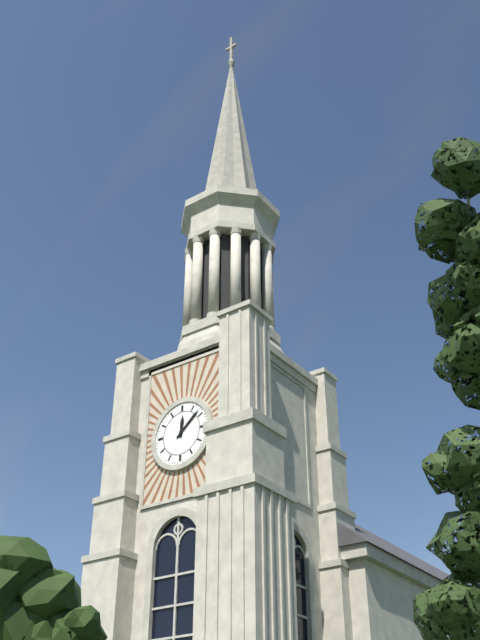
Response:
12.08
